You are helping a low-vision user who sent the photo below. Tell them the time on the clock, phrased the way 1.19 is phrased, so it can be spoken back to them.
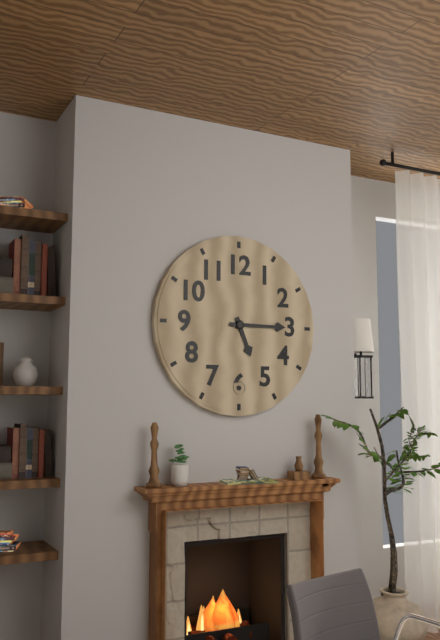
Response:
5.15
